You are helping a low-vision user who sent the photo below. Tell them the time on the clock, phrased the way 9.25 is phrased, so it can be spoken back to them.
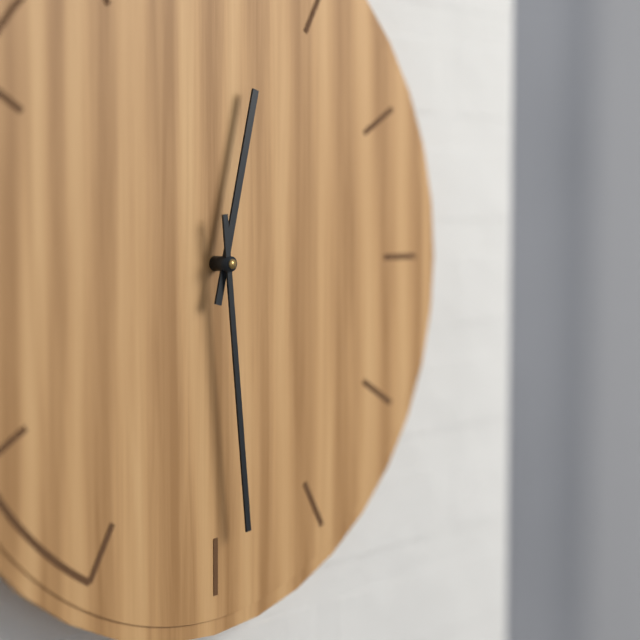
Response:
12.29
